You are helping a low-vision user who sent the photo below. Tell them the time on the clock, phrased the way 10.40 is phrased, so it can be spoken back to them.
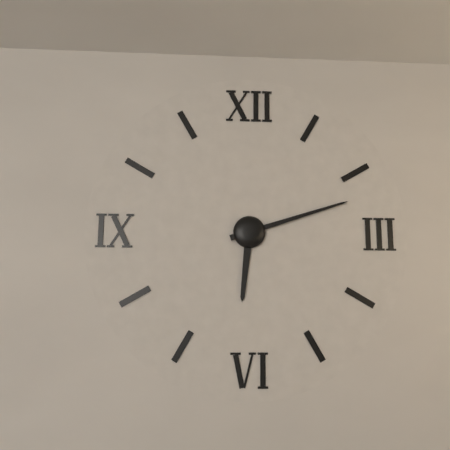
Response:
6.12
